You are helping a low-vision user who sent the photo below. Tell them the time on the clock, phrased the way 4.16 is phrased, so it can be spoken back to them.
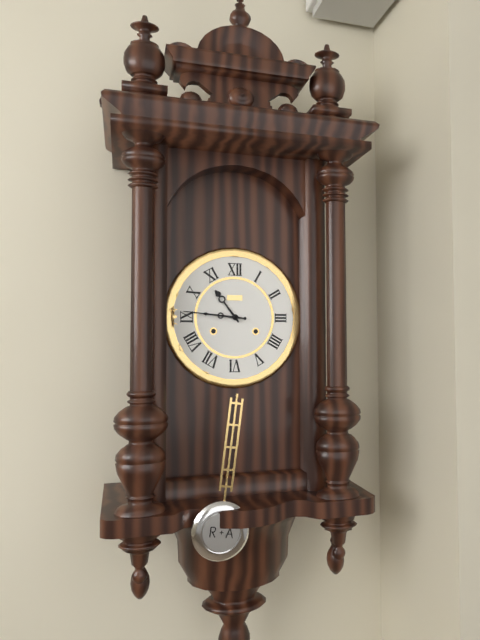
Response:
10.46
